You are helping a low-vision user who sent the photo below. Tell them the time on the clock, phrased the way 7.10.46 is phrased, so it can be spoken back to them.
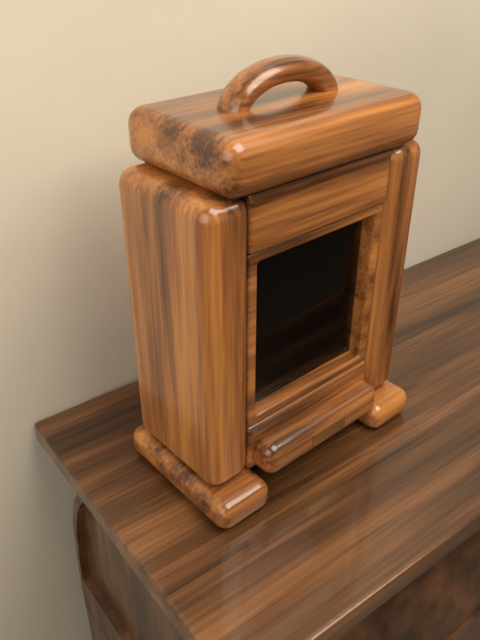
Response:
6.23.27
